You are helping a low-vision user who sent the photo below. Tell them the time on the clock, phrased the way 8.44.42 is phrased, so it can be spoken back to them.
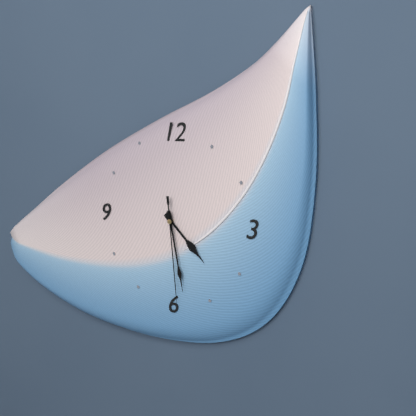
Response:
4.28.29
